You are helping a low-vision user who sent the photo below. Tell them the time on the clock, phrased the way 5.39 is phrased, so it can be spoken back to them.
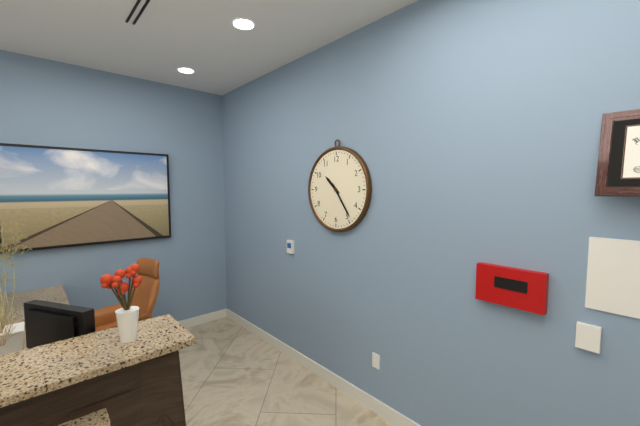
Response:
10.24
